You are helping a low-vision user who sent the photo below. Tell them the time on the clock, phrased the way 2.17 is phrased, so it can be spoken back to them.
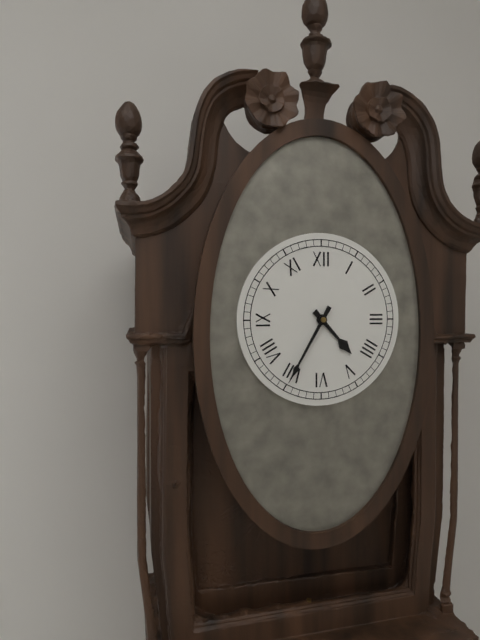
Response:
4.35
